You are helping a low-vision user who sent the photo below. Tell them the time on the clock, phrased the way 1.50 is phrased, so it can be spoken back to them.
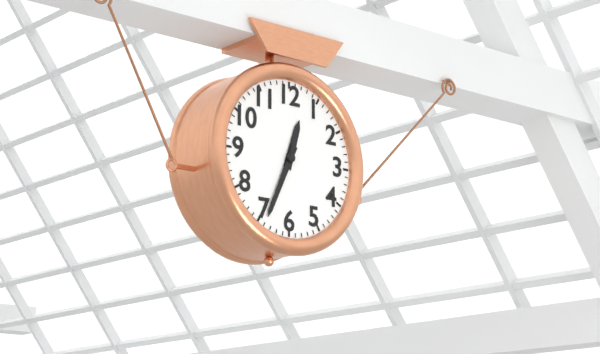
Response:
12.34
